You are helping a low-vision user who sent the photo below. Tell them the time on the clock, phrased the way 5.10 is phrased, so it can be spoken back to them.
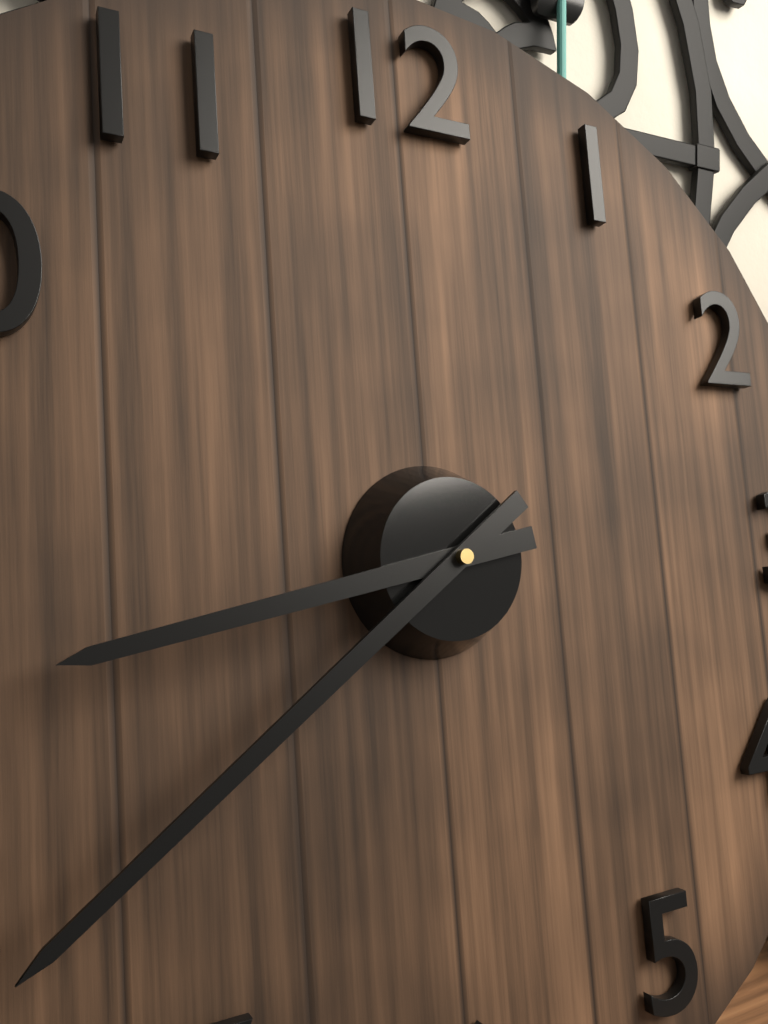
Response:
8.39
